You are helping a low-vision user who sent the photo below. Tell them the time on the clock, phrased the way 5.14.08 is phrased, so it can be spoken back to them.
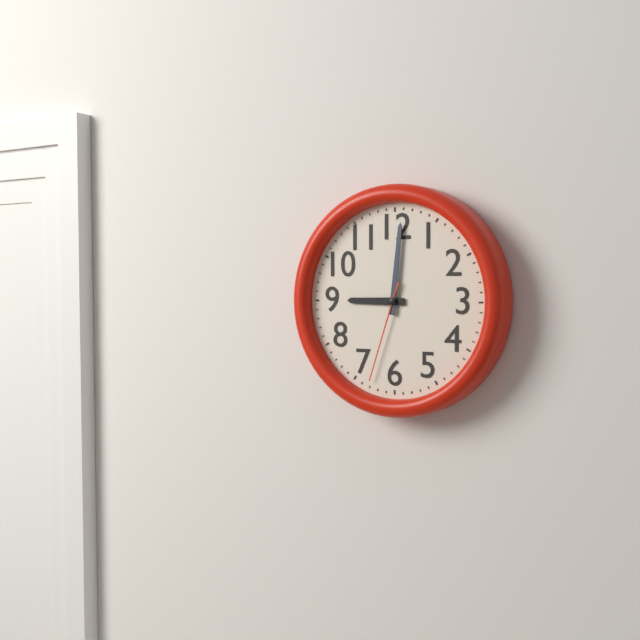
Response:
9.01.33
